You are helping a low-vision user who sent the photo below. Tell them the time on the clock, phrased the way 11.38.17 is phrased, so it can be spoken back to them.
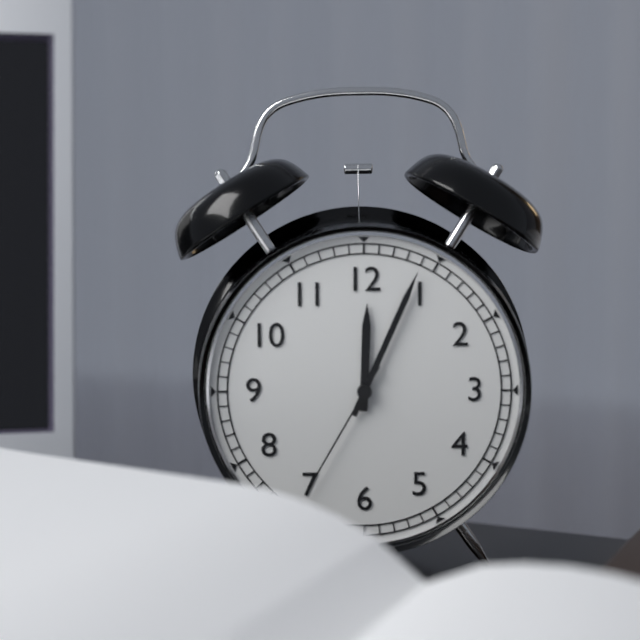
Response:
12.04.35
